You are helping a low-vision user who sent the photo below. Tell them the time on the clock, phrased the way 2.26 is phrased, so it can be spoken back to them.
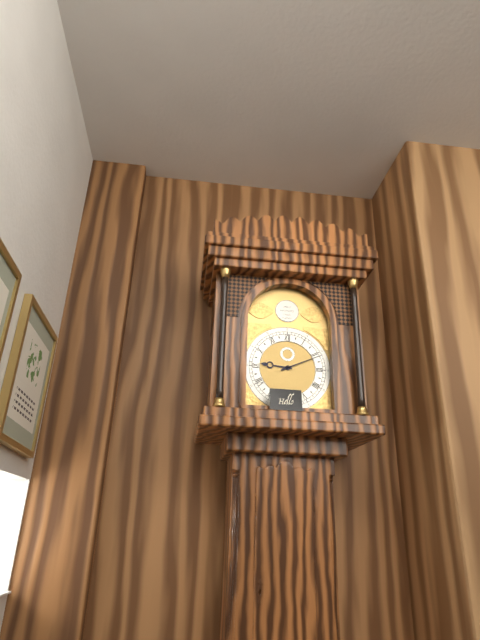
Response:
9.11
